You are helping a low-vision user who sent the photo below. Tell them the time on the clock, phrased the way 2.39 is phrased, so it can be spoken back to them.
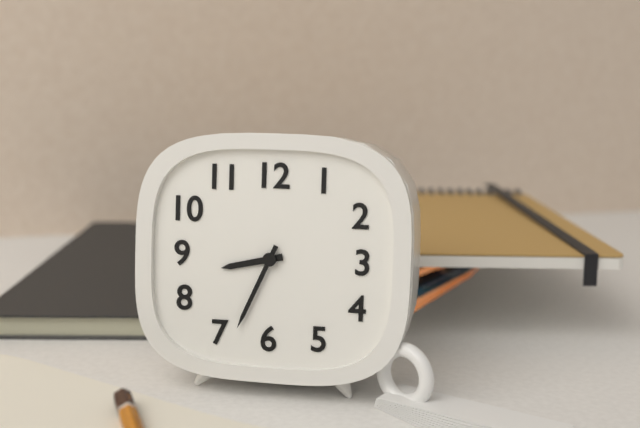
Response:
8.34
